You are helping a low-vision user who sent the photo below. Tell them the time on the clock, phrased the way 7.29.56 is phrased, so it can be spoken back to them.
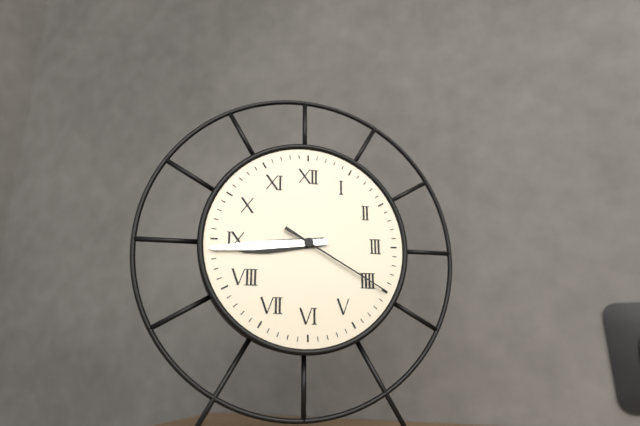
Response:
8.44.20
